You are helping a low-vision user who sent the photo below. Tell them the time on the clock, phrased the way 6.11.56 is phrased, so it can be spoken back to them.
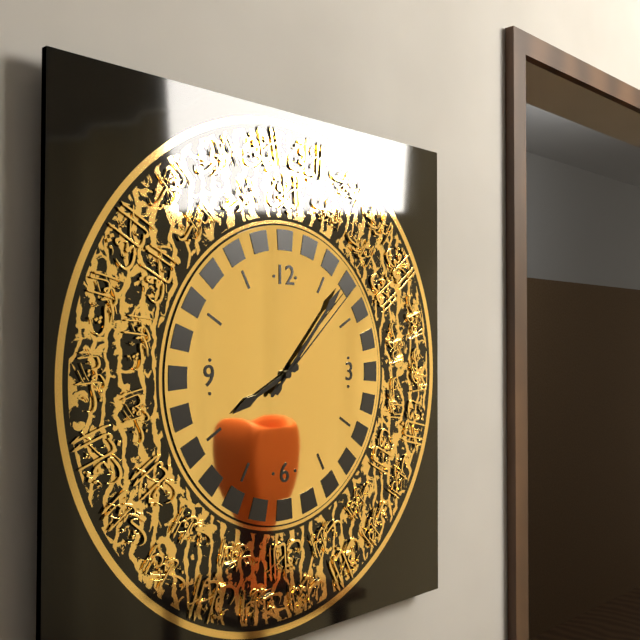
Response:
8.07.08
